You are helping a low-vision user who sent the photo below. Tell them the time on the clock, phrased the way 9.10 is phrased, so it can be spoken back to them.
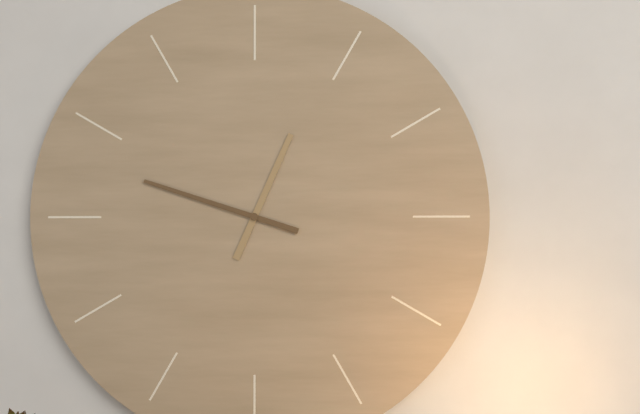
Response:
12.48
